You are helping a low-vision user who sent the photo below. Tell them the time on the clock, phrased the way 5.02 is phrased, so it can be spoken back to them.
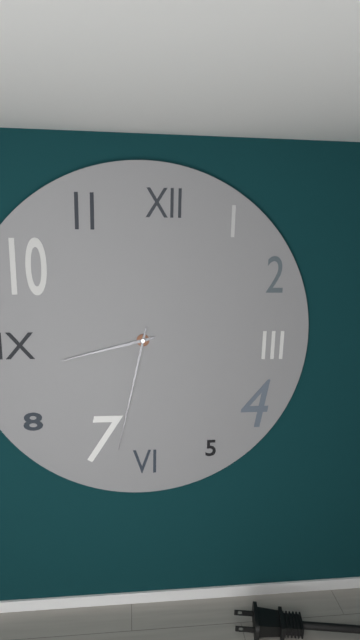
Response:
8.32
